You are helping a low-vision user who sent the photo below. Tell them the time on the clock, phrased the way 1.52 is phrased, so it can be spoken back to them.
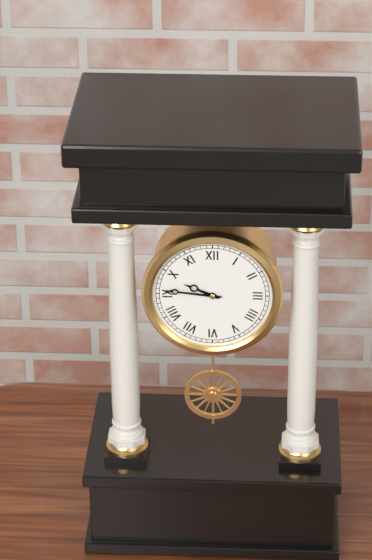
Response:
9.46
